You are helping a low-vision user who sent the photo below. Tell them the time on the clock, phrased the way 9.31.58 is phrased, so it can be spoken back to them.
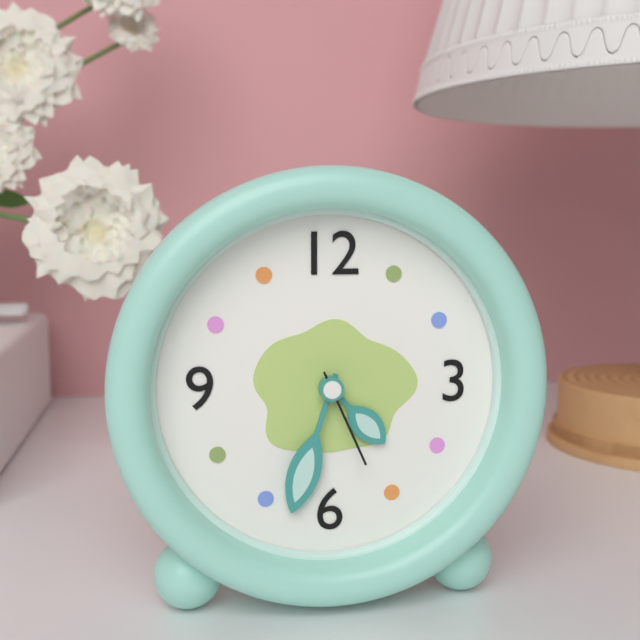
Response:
4.33.26
